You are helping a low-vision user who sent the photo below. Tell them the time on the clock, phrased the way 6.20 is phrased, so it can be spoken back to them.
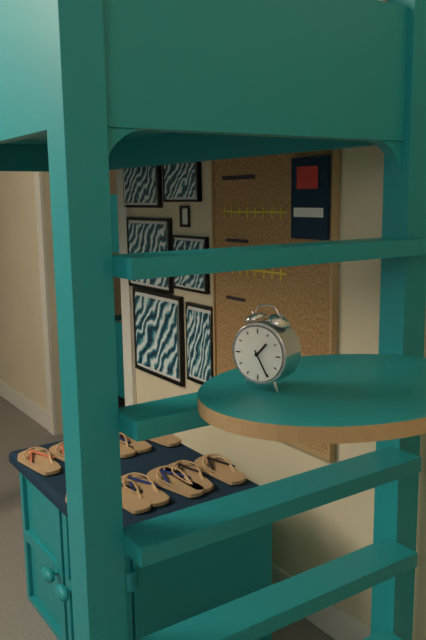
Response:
1.25
